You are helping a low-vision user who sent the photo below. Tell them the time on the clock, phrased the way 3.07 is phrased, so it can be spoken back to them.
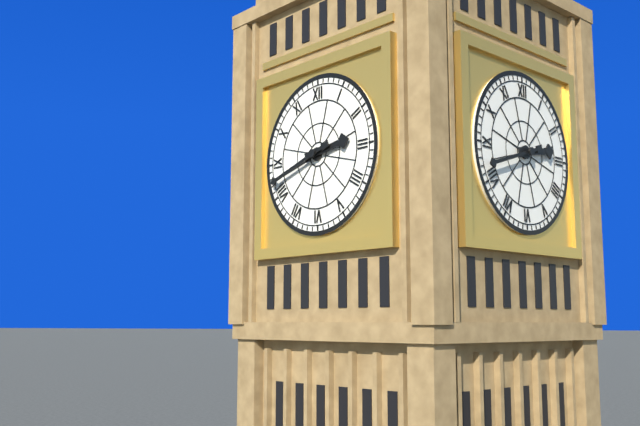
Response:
2.42
